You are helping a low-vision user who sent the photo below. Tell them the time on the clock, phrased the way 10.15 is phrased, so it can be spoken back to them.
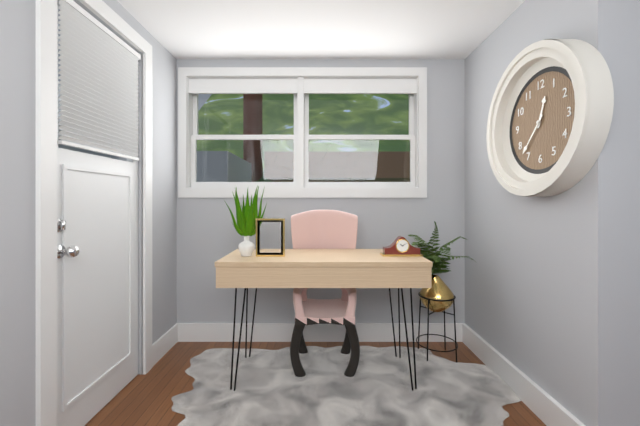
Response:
12.37
